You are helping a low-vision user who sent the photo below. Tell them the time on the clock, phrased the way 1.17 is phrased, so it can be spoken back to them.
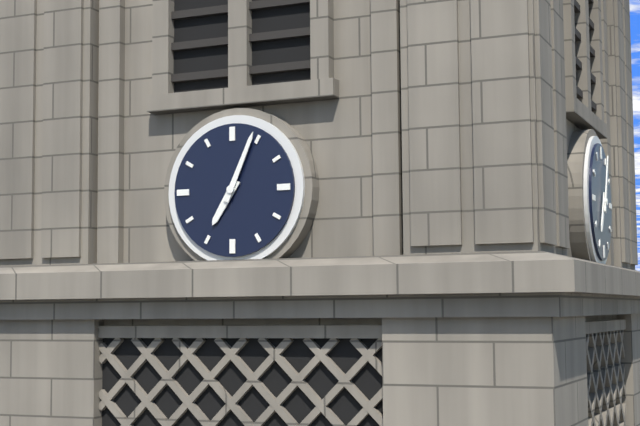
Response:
7.04
